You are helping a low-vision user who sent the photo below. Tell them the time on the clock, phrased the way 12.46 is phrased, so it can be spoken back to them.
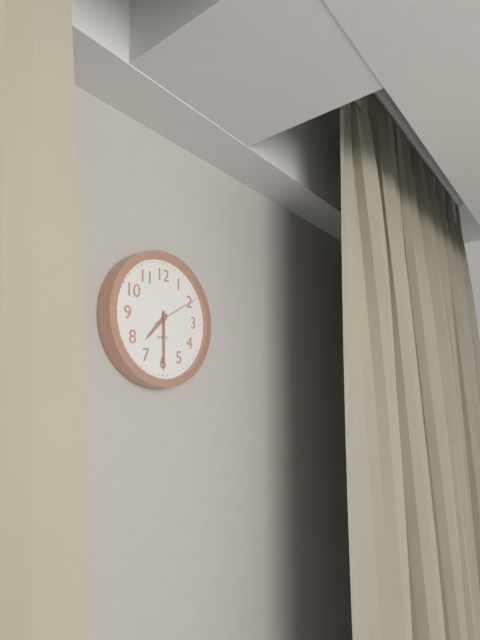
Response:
7.30
